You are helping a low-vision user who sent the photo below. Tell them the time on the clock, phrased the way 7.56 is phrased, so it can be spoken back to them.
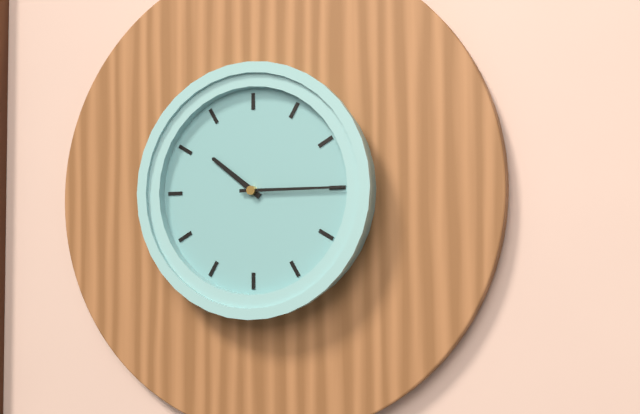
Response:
10.15
